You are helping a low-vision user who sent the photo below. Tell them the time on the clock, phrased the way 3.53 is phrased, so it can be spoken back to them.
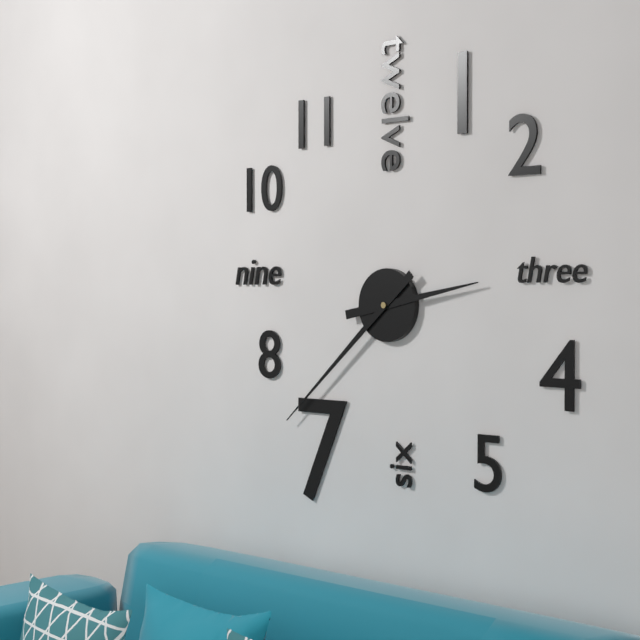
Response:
2.38
